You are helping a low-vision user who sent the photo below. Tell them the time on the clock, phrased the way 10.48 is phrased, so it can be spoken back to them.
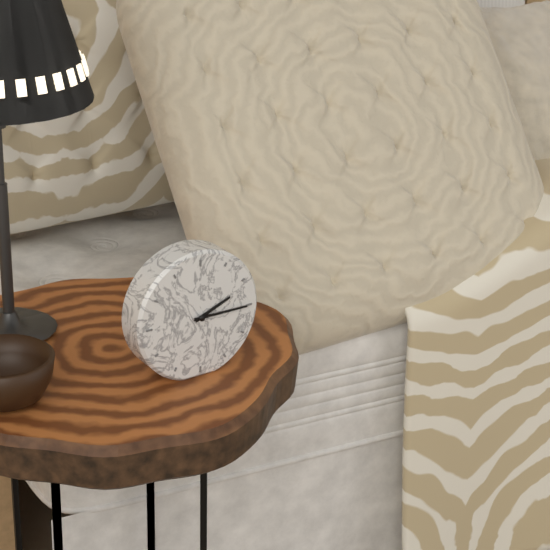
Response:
2.15
